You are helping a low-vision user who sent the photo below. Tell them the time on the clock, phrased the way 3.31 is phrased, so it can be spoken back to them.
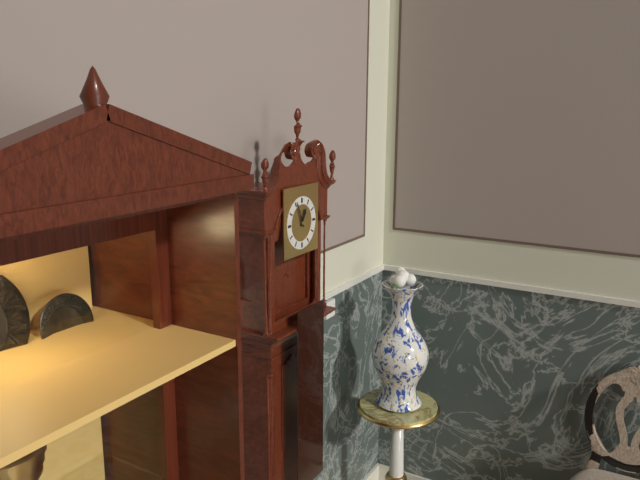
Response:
12.56
